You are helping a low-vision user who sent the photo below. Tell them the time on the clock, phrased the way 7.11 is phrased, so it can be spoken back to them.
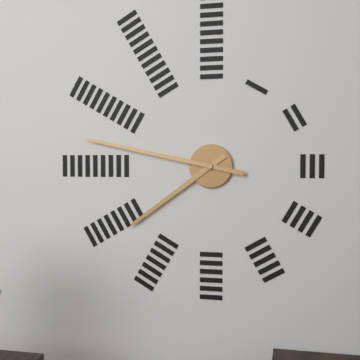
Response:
7.47
